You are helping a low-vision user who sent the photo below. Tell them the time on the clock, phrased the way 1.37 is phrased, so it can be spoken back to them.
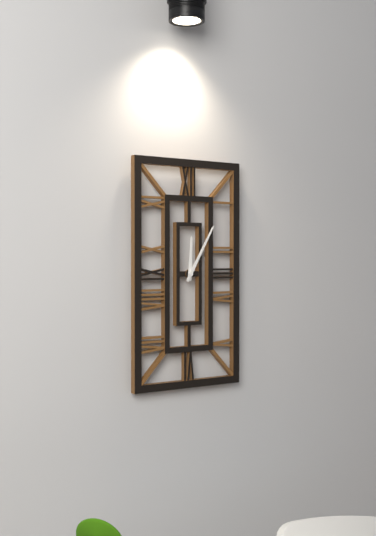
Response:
12.05
